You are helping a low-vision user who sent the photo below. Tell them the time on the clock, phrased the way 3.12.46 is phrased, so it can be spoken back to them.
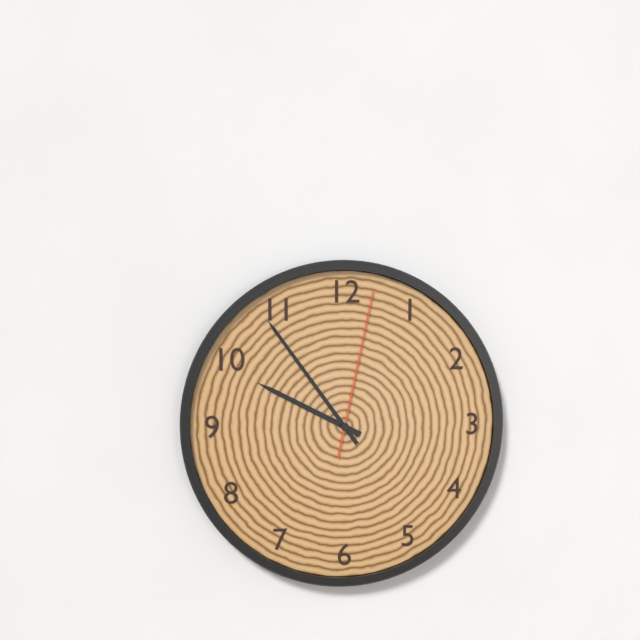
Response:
9.54.02
